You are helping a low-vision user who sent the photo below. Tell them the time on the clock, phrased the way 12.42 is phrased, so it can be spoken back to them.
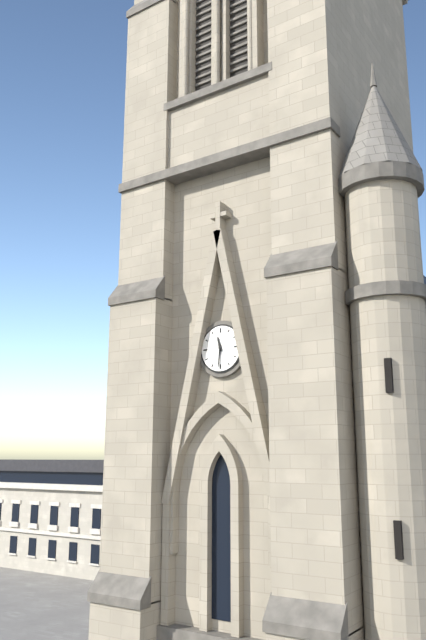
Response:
11.31
